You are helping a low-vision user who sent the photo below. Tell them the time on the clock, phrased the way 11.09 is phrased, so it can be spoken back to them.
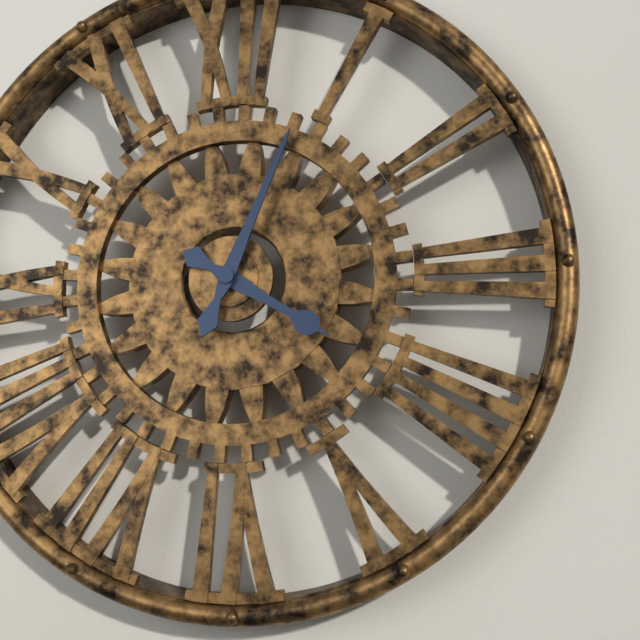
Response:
4.04
